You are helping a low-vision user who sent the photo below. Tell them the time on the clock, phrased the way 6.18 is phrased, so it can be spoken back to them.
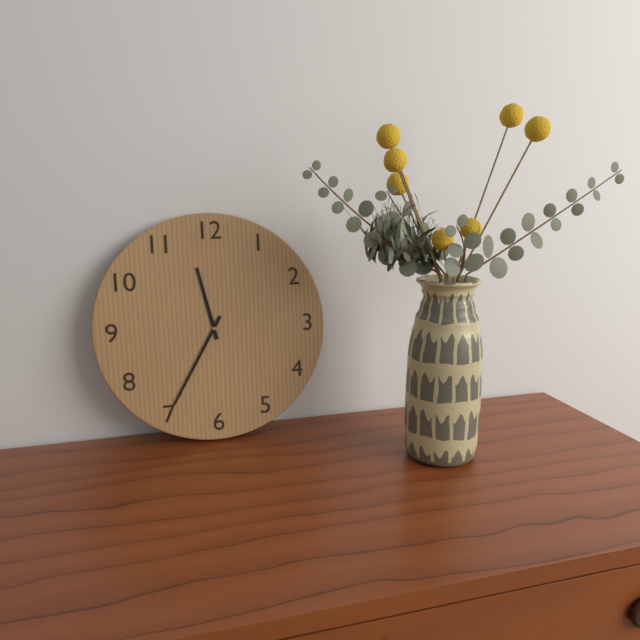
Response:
11.35
